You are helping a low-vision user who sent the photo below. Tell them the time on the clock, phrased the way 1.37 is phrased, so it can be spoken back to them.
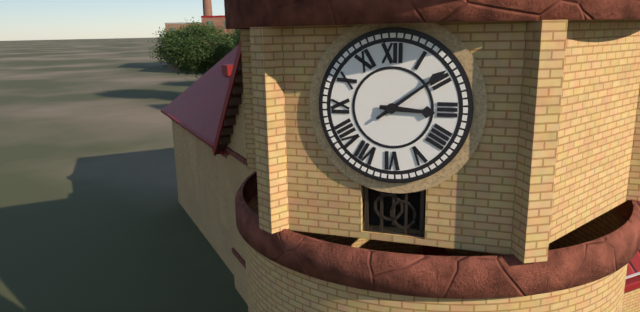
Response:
3.09
